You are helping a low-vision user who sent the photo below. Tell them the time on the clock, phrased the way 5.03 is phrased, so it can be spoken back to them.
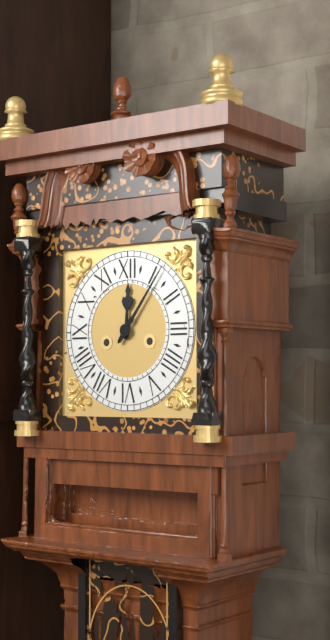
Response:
12.06
